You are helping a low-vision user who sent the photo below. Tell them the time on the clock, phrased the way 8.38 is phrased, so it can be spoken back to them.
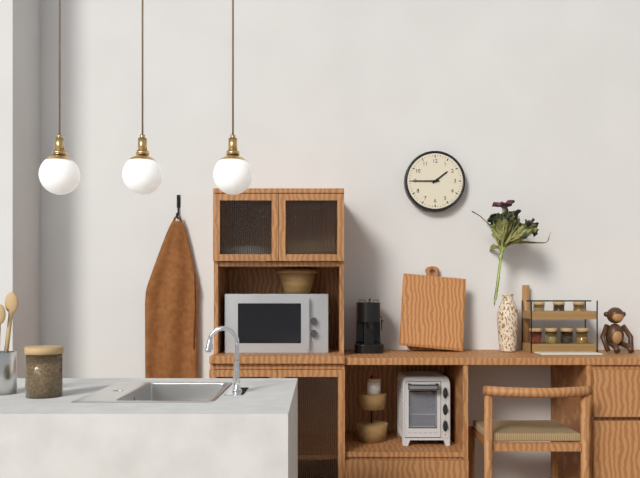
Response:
1.45
